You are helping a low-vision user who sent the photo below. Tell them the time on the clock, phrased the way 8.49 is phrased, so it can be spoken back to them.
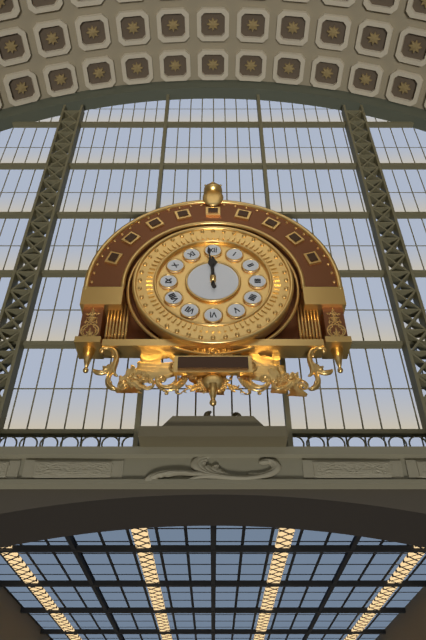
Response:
11.59
